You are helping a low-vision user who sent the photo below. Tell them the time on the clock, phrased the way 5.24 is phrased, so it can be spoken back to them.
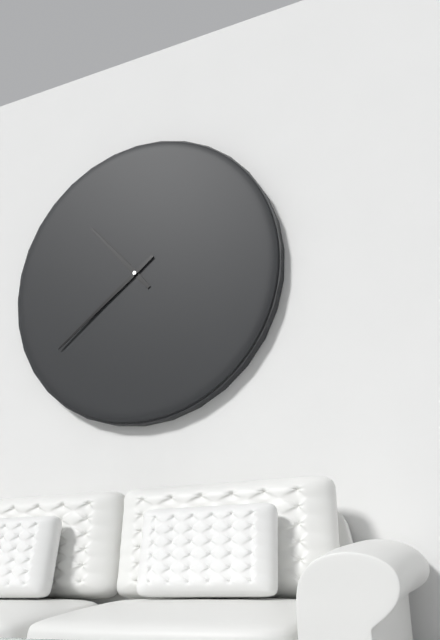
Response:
10.39
